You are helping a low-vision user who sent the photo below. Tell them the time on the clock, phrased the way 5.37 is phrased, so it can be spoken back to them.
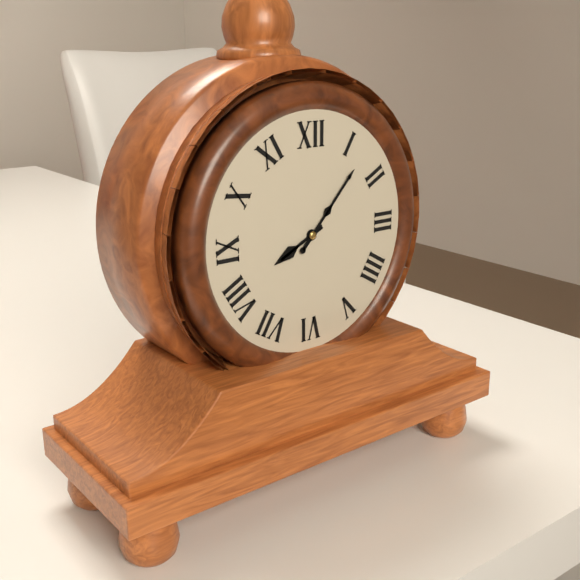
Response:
8.07
